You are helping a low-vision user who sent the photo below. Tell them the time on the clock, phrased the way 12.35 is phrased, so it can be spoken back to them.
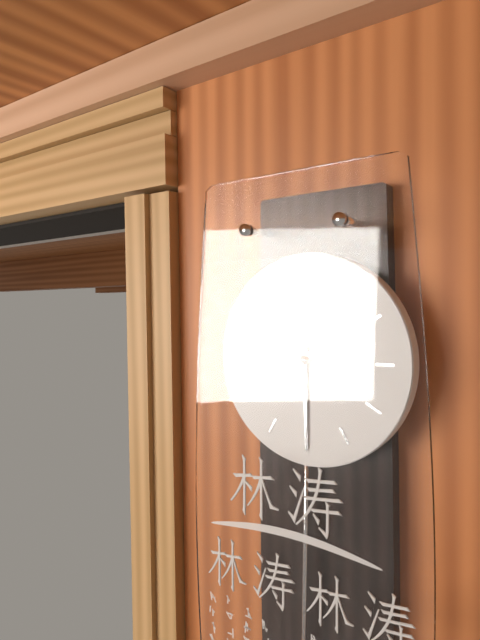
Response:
1.30
